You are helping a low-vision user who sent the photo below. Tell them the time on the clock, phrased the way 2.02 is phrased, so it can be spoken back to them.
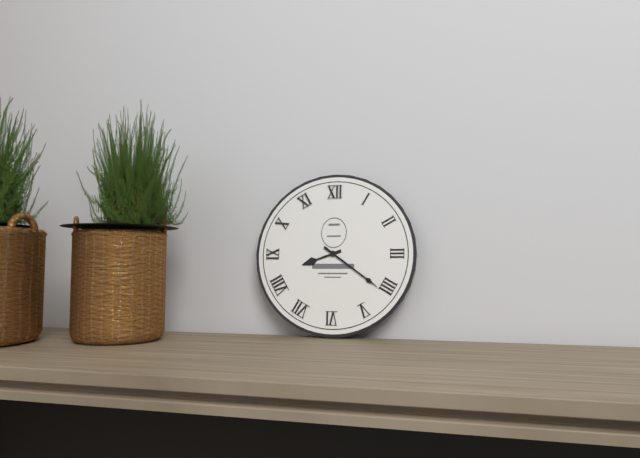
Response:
8.21
